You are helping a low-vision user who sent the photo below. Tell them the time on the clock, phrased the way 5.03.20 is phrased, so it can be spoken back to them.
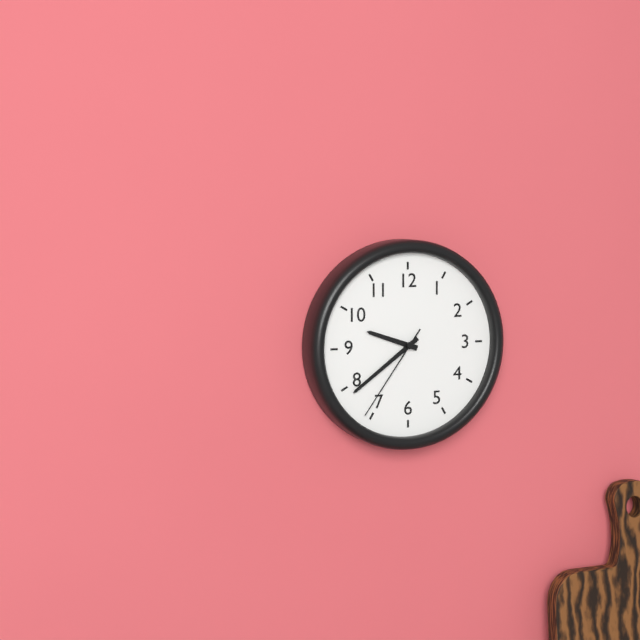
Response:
9.39.36
